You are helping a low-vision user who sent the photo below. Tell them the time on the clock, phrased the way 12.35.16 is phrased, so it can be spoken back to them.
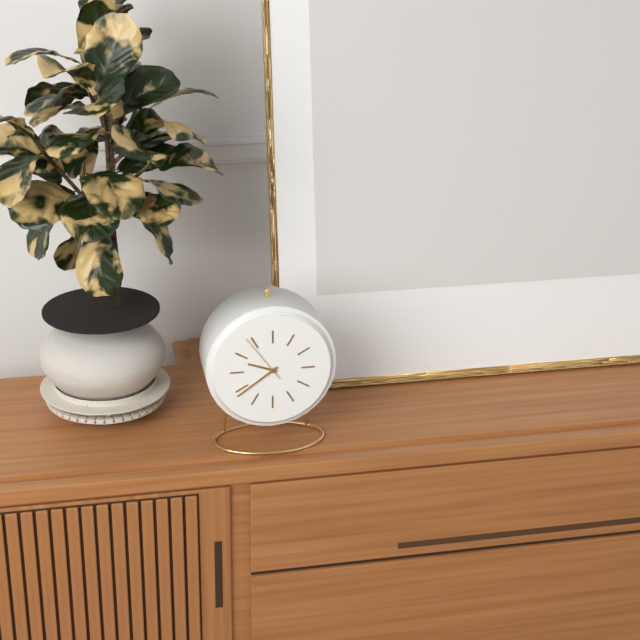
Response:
9.39.54
